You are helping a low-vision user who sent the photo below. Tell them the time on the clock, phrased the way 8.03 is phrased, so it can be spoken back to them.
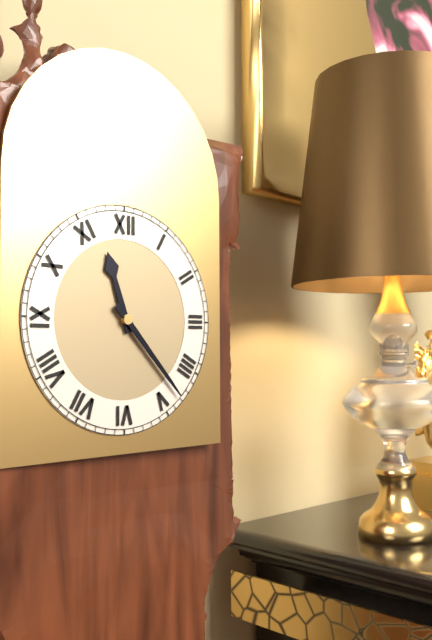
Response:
11.23
